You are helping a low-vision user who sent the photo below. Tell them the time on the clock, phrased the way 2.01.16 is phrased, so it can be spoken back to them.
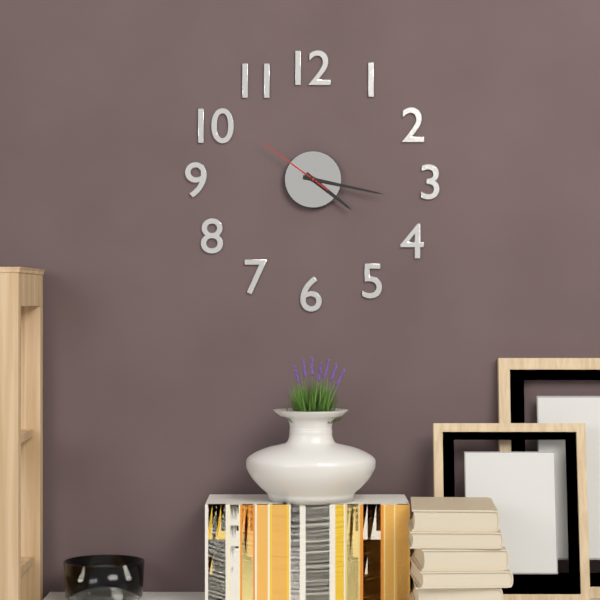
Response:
4.17.51
